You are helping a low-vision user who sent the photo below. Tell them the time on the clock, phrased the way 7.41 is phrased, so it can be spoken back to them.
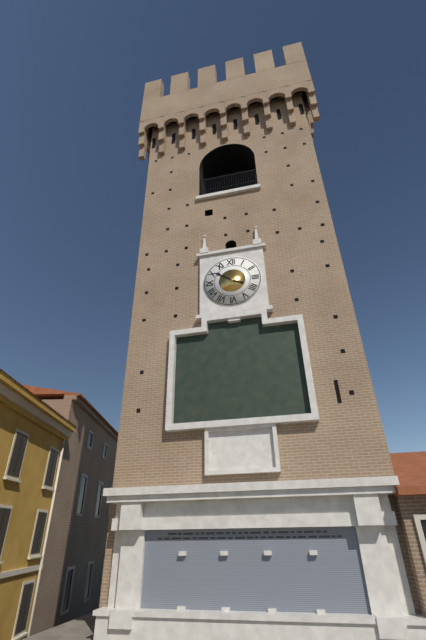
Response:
3.51
